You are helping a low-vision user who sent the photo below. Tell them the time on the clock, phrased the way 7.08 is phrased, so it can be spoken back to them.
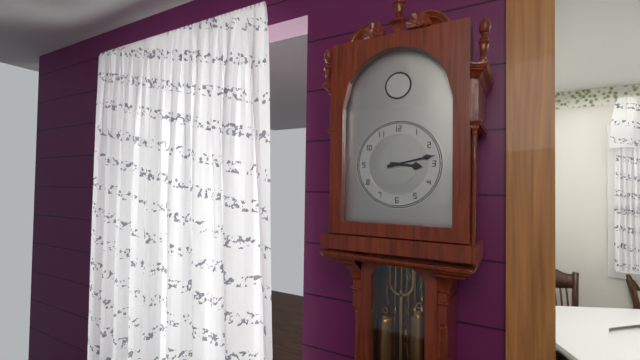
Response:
3.13
